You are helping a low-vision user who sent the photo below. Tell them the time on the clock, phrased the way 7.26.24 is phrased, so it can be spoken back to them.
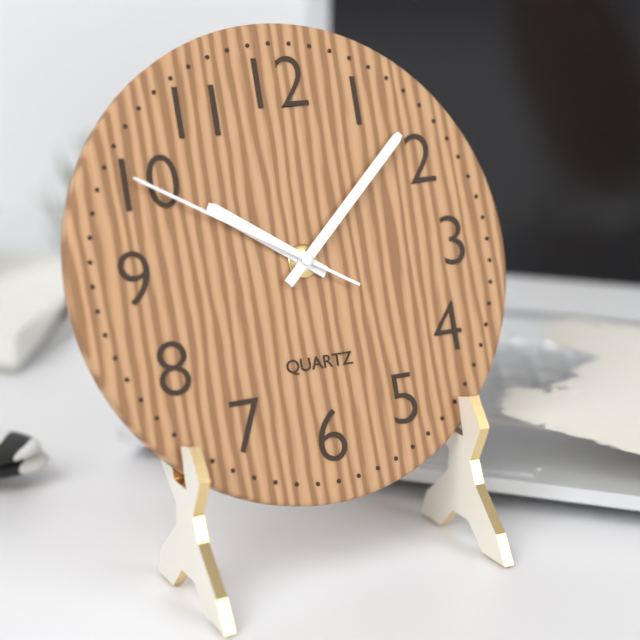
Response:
10.08.50
